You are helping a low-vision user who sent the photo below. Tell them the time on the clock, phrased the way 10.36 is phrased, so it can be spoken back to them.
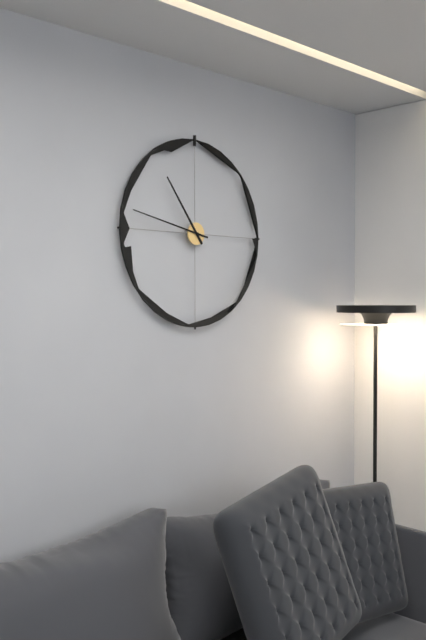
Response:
10.47
